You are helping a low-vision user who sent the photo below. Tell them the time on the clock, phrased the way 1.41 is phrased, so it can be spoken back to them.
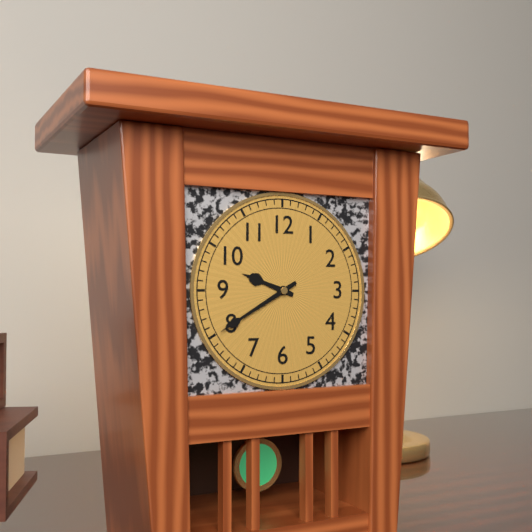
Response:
9.40
